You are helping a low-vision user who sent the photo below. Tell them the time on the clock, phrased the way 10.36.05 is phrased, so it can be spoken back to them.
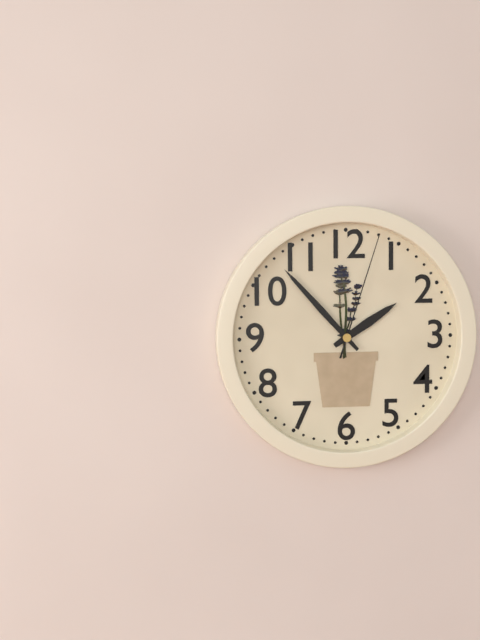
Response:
1.53.03
